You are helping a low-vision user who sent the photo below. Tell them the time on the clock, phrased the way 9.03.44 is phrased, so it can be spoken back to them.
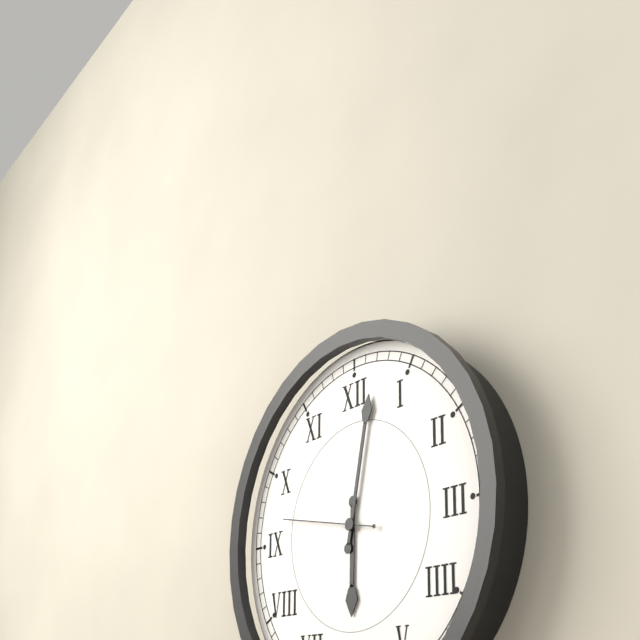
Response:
6.02.47
